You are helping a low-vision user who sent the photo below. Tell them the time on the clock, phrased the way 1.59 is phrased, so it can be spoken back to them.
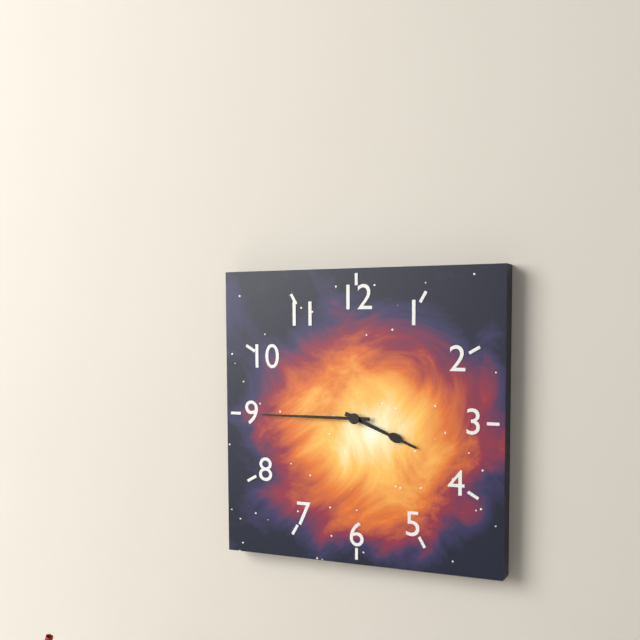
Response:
3.45
